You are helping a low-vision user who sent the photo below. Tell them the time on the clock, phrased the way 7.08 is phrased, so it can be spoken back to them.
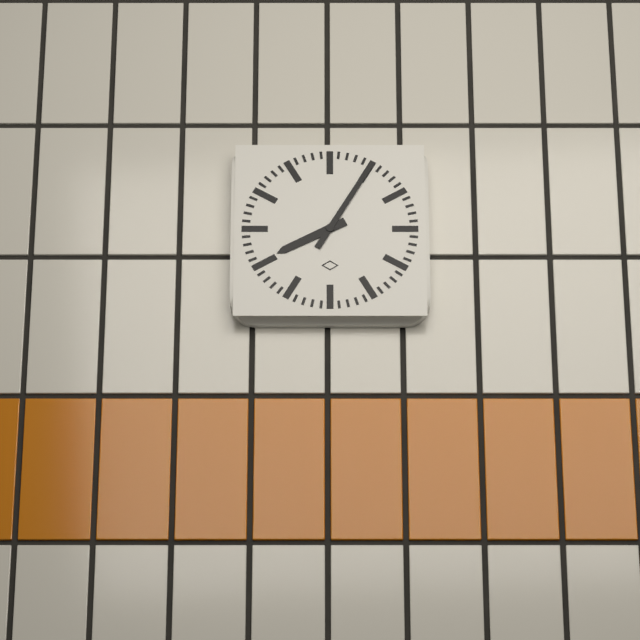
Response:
8.05
